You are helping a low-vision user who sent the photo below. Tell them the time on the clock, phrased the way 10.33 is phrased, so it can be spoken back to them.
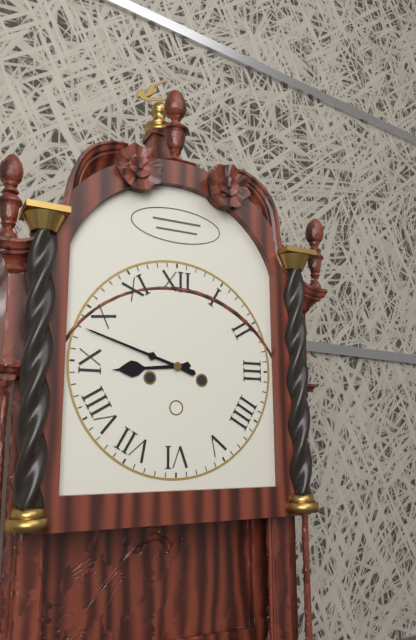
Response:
8.48
